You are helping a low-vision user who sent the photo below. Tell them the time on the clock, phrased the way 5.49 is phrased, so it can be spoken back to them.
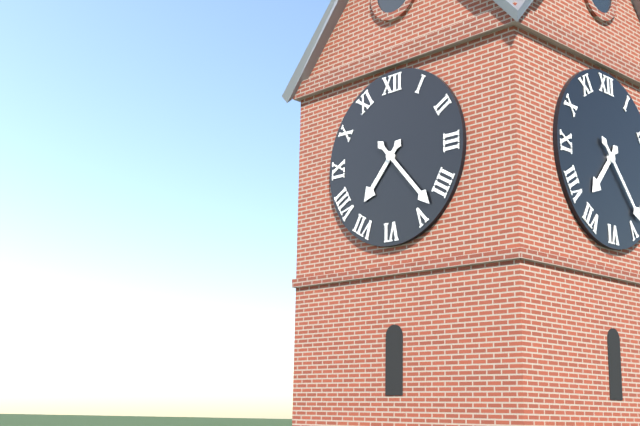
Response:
7.23
